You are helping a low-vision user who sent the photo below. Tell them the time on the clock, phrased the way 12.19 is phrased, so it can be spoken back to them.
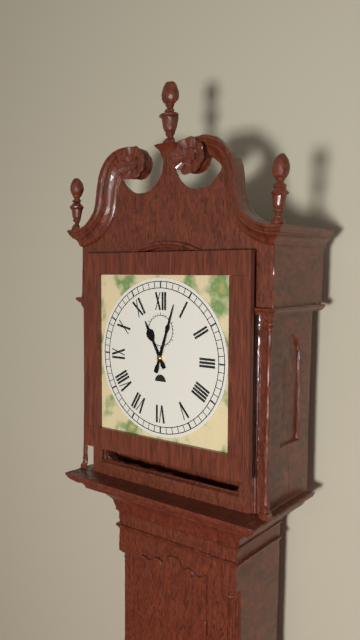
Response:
11.03
